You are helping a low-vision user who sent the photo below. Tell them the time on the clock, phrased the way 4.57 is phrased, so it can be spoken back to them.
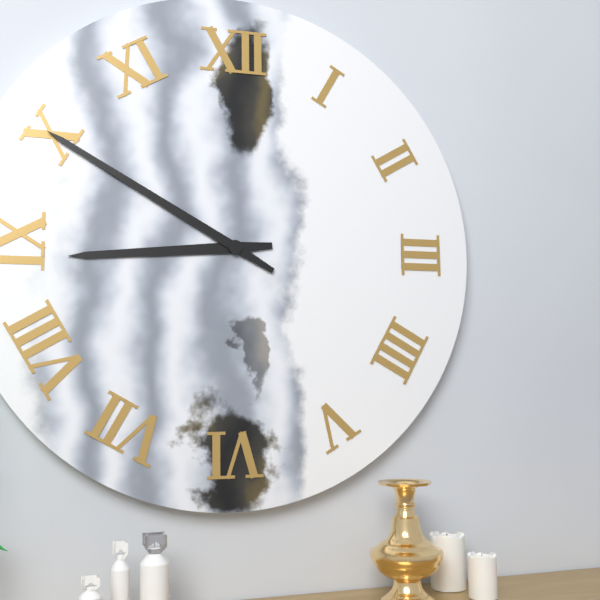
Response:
8.50
